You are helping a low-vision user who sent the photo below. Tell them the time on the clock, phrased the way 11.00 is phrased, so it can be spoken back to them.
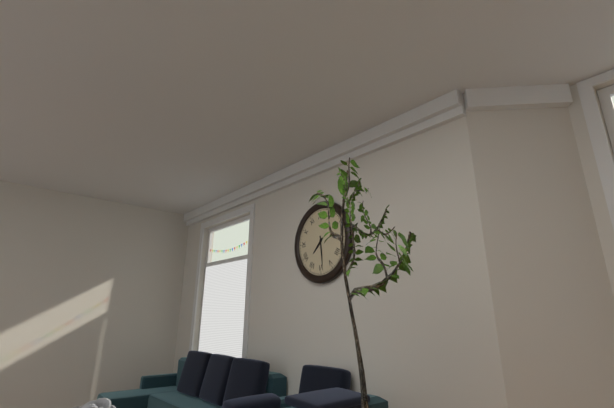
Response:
7.29
